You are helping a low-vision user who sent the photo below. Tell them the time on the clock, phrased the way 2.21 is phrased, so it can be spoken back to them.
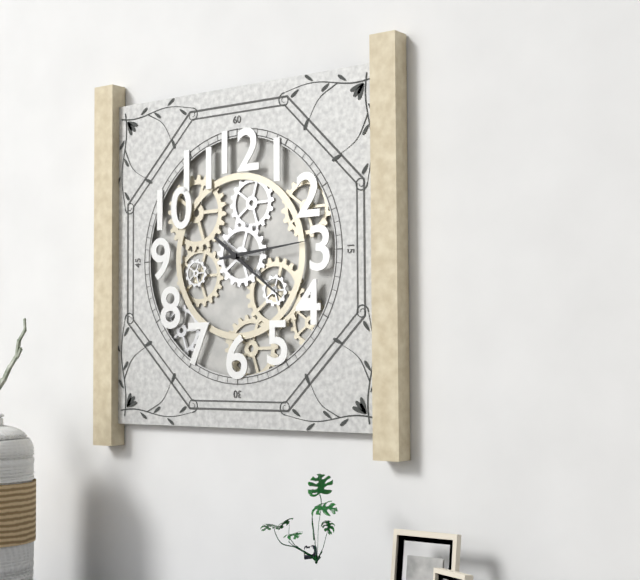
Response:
4.14
